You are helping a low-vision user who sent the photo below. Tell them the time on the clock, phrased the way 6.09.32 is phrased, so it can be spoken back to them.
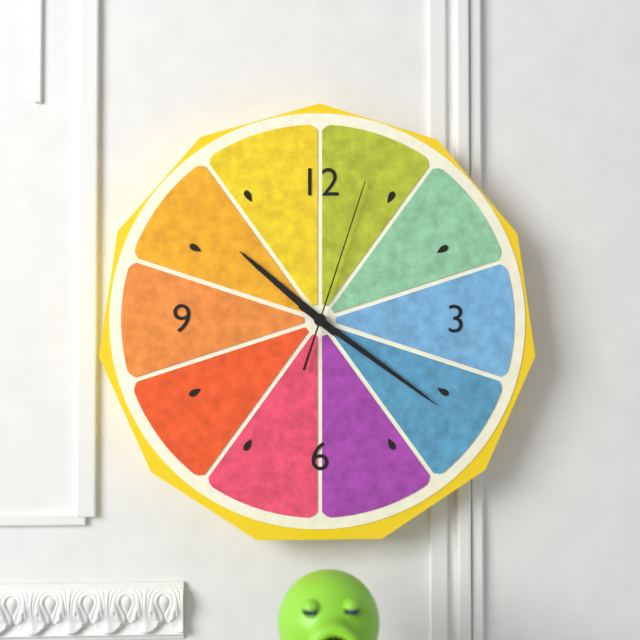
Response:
10.21.03
